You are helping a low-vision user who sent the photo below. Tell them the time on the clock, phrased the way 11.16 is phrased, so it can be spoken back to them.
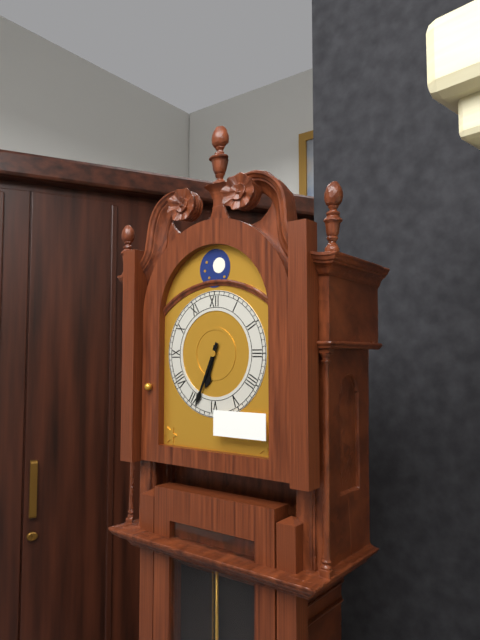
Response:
6.34
